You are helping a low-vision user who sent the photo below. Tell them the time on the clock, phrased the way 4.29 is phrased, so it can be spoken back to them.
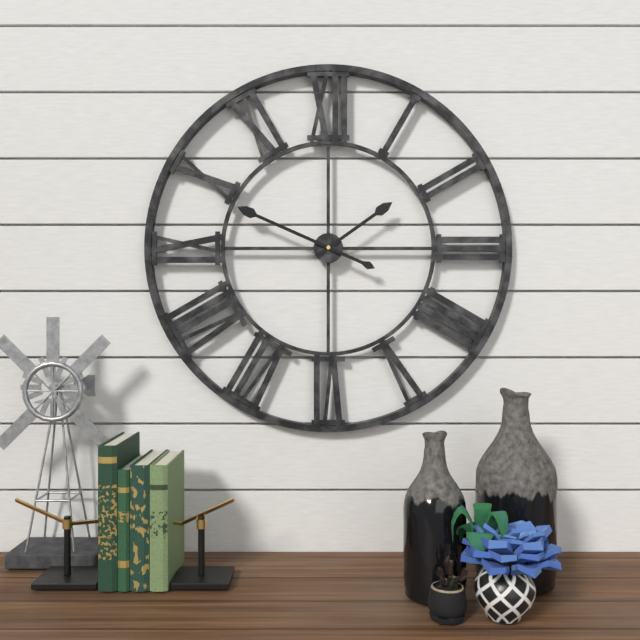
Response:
1.49
